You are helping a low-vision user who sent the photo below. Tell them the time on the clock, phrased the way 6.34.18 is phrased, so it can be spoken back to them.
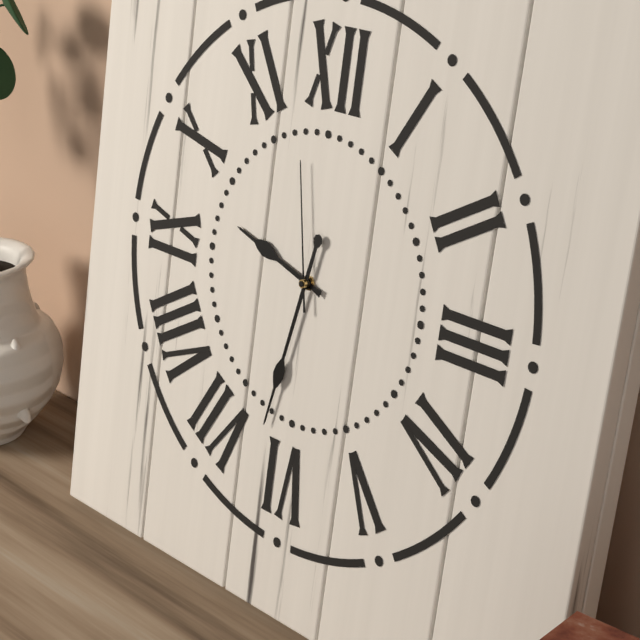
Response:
9.32.58
